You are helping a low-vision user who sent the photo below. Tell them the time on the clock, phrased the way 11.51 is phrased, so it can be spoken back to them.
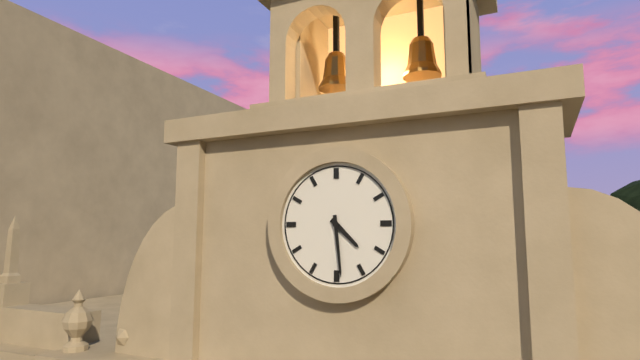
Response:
4.29
